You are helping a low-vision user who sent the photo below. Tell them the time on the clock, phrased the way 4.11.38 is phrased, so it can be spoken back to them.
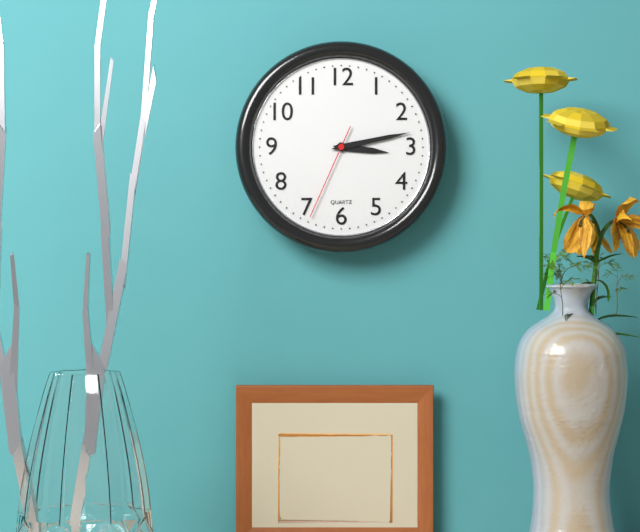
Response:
3.13.34
